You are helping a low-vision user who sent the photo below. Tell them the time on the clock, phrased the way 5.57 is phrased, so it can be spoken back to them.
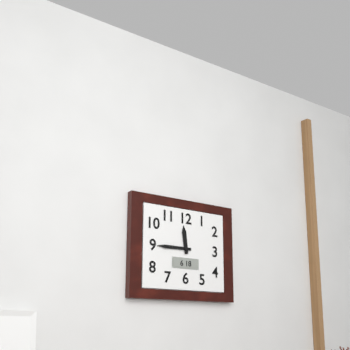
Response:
11.45
